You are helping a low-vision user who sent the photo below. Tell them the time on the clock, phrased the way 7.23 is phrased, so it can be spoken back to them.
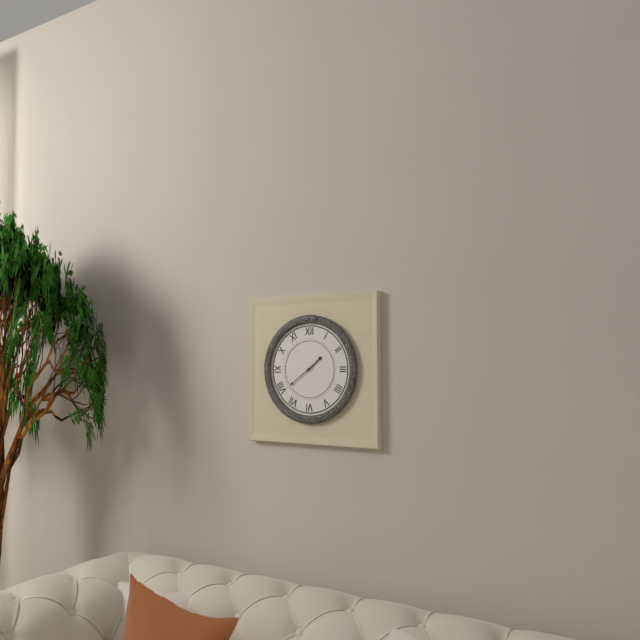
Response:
1.39
